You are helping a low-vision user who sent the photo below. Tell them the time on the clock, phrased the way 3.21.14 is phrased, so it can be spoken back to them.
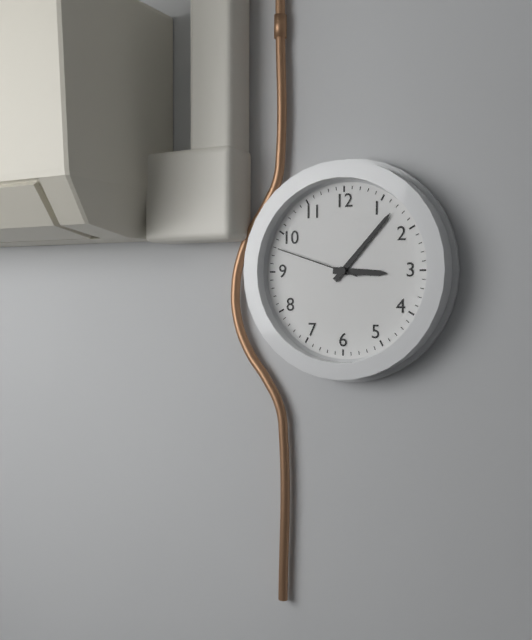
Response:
3.07.48
